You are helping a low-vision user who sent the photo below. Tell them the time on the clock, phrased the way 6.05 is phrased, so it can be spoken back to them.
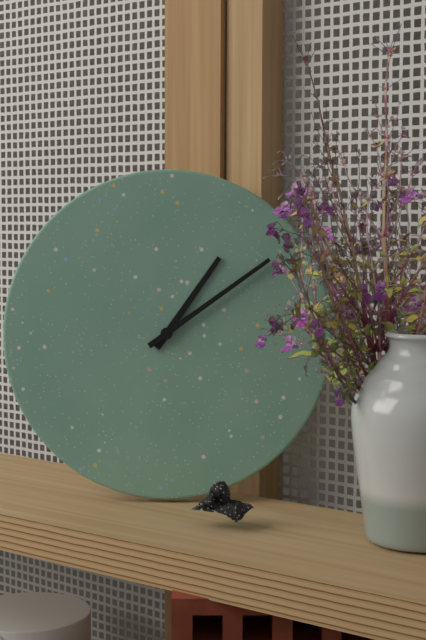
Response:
1.09
